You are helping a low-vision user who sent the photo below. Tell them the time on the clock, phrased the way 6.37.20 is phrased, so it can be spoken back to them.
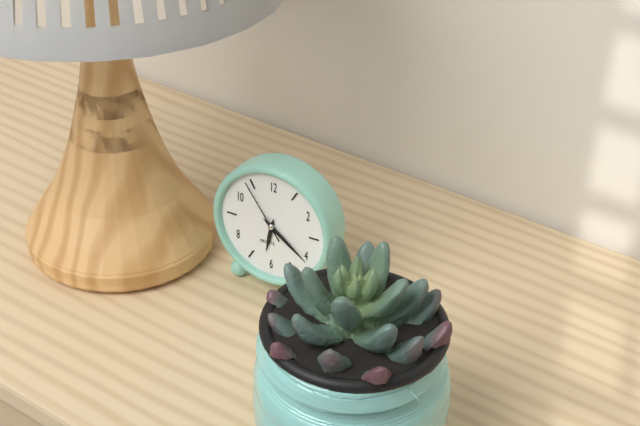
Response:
6.21.54
